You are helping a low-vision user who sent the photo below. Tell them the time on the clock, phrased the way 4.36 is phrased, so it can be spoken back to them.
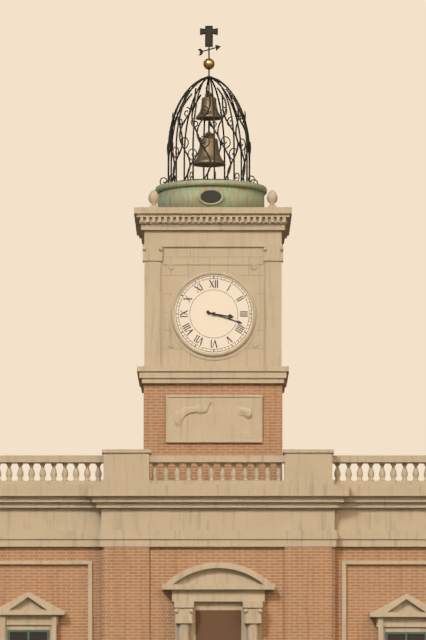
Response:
3.18
